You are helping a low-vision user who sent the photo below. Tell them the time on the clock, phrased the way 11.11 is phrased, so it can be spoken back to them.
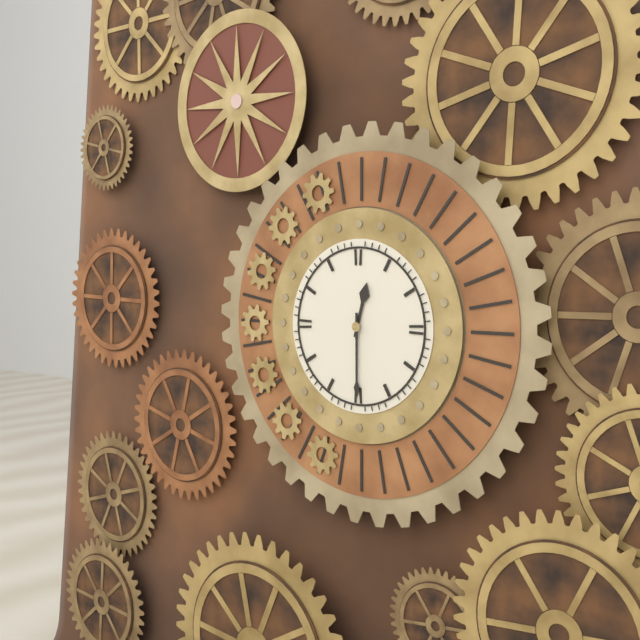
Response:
12.30
